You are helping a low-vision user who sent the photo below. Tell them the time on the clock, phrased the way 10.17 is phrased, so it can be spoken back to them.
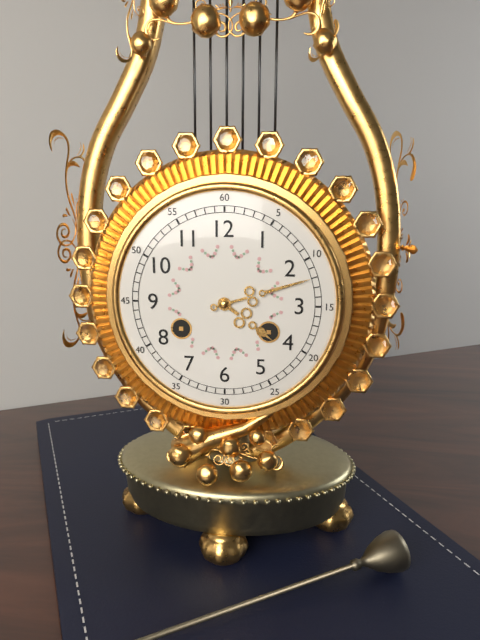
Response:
4.12
